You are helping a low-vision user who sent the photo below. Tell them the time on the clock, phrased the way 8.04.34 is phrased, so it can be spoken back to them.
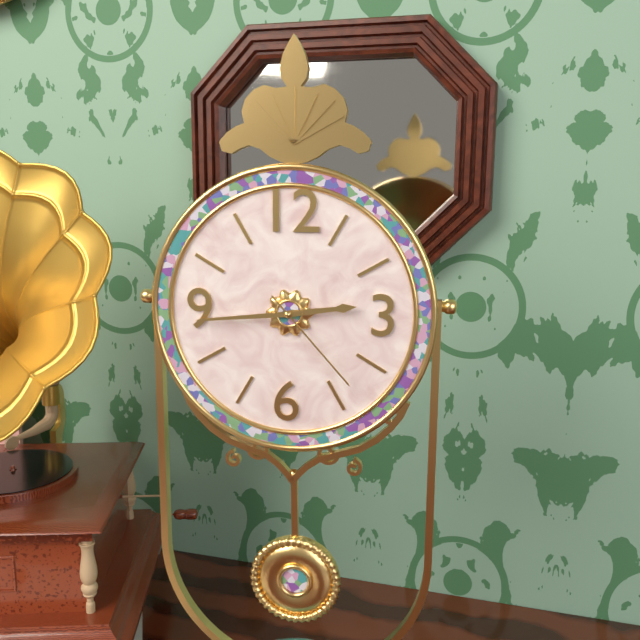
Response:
2.44.23
